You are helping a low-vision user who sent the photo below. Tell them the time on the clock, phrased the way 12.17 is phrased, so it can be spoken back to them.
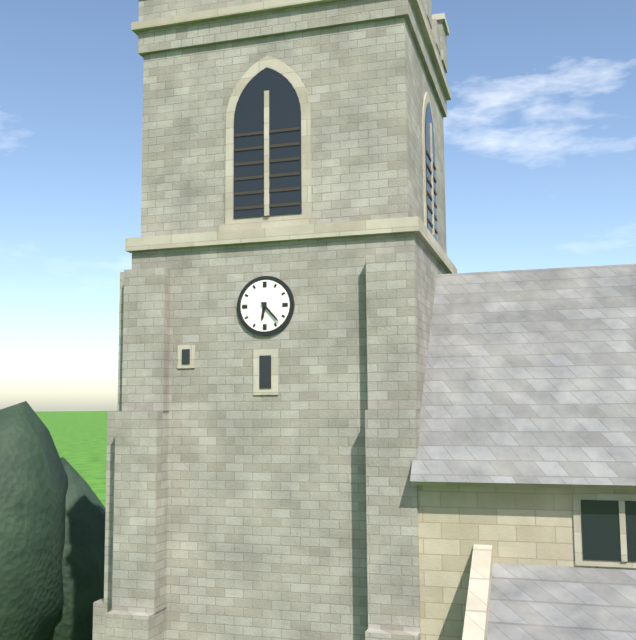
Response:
6.23
